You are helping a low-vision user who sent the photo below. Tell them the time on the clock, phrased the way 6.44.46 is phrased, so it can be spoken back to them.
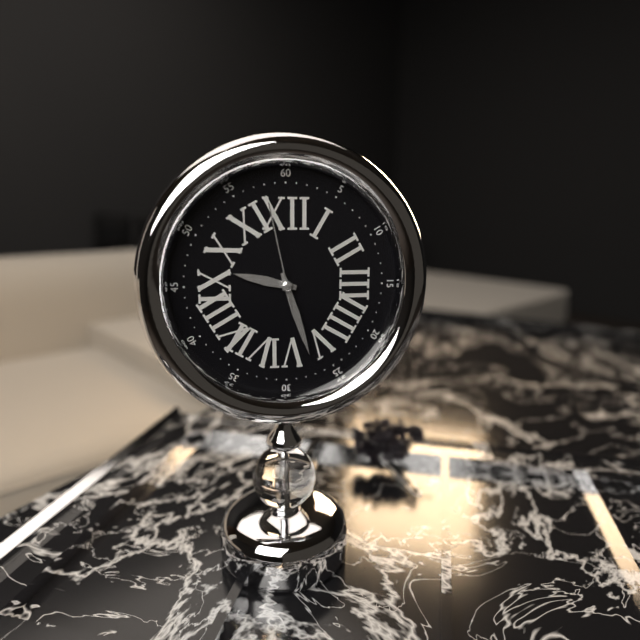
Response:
9.27.58
